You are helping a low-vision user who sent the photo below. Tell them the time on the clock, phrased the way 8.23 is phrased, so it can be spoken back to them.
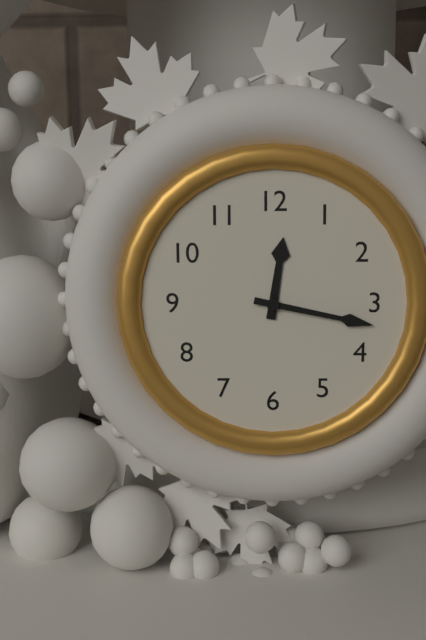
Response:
12.17
